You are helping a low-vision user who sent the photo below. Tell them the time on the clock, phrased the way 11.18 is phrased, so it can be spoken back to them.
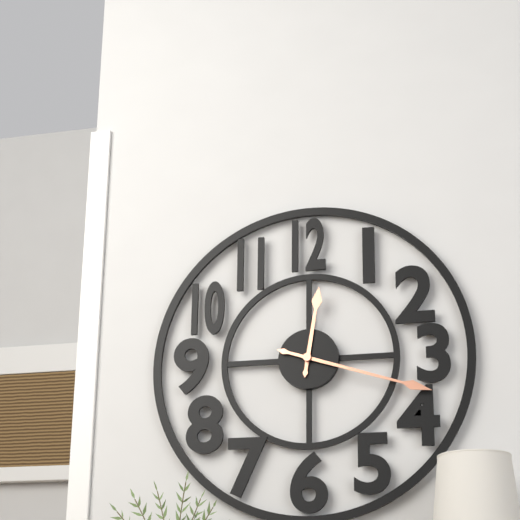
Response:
12.18
